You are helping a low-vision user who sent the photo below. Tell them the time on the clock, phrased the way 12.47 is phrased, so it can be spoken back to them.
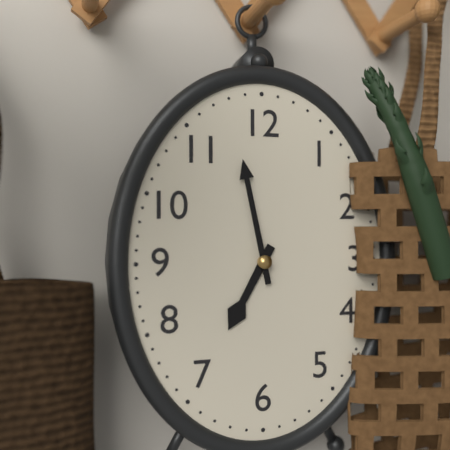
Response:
6.58
